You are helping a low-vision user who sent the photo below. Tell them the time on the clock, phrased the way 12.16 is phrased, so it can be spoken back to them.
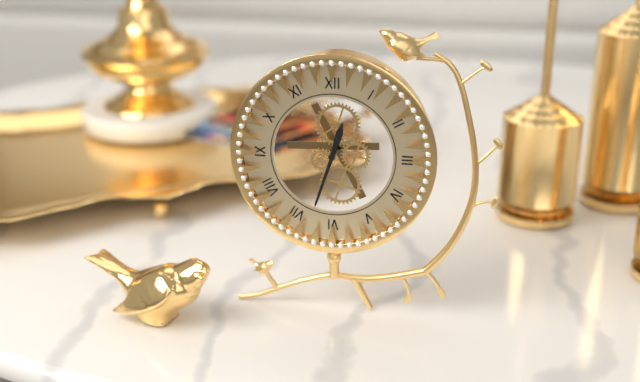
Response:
12.33
